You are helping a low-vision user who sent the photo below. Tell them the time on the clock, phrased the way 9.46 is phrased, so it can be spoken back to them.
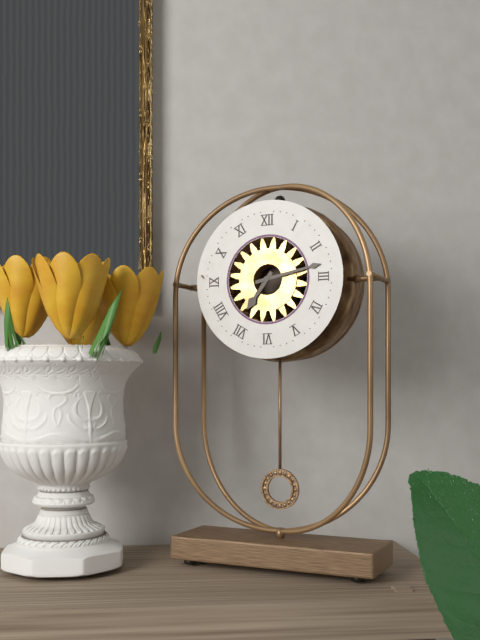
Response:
7.13
